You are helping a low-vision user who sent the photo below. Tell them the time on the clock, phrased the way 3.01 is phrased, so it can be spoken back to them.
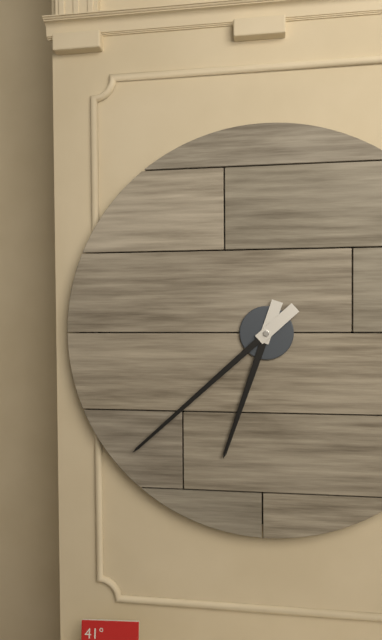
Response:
6.38
